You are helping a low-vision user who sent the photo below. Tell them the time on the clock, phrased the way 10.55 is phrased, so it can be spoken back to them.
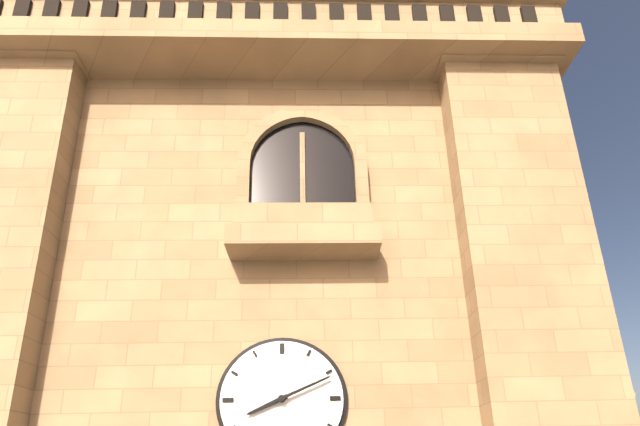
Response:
8.11
